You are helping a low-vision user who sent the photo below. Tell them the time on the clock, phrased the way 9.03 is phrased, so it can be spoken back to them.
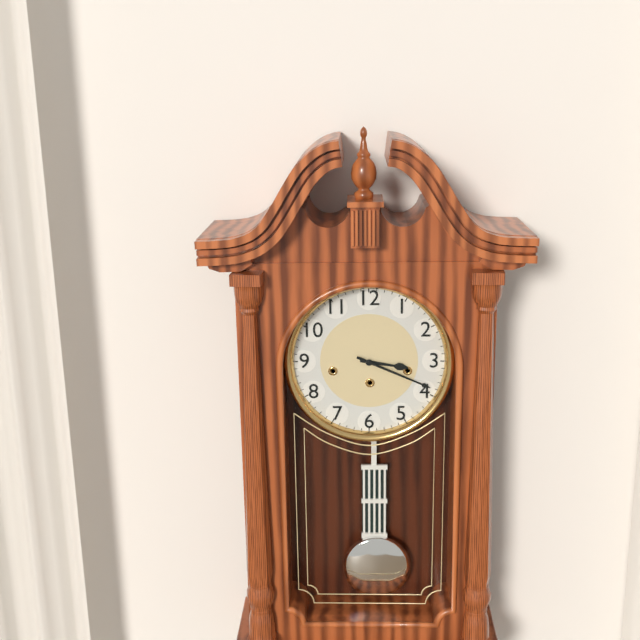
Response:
3.19
